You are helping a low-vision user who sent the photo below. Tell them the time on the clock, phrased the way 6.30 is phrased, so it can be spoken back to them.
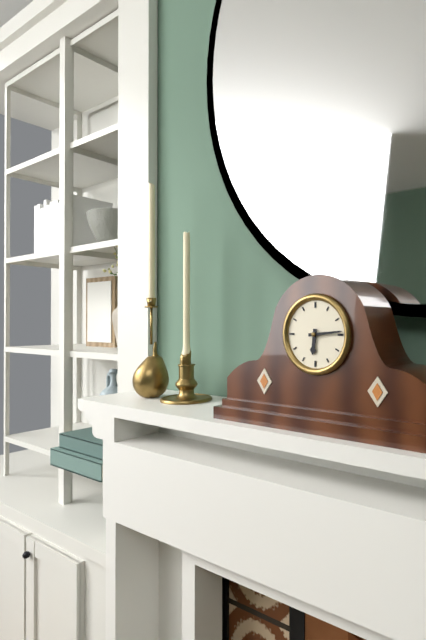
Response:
6.14
